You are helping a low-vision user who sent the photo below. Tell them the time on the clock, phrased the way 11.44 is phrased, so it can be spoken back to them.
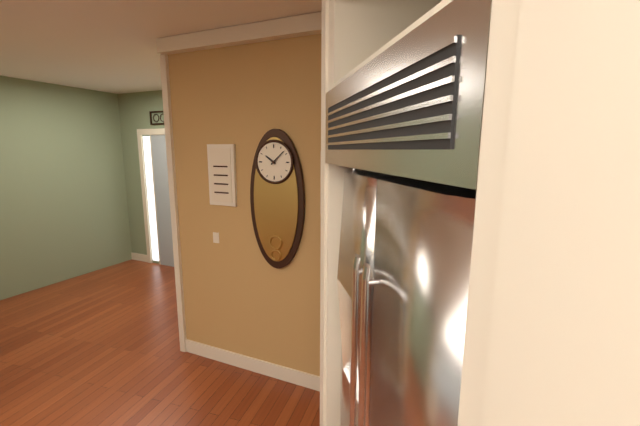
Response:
10.08
